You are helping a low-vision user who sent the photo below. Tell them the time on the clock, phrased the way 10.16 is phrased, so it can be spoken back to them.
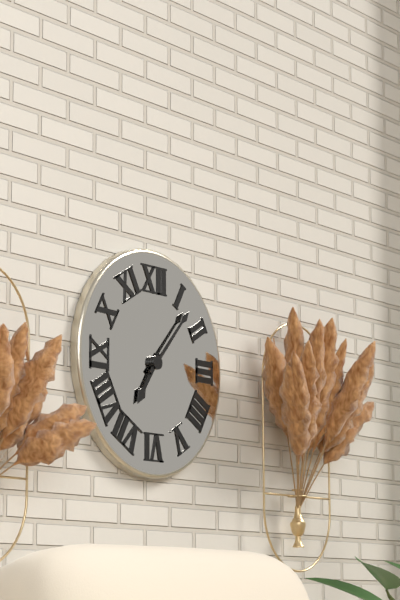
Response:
7.07
